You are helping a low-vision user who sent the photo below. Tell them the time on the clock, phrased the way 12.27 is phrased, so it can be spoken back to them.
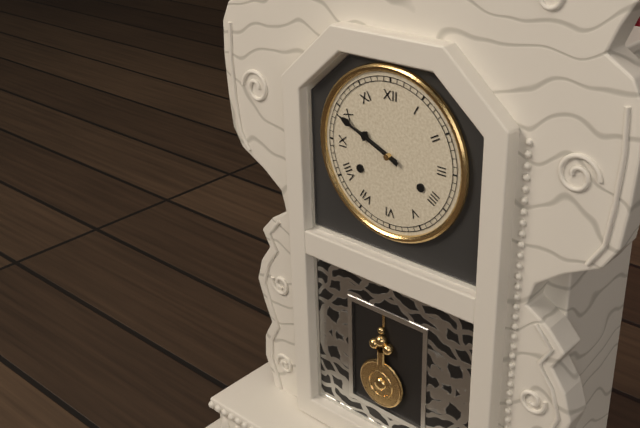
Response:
9.49
